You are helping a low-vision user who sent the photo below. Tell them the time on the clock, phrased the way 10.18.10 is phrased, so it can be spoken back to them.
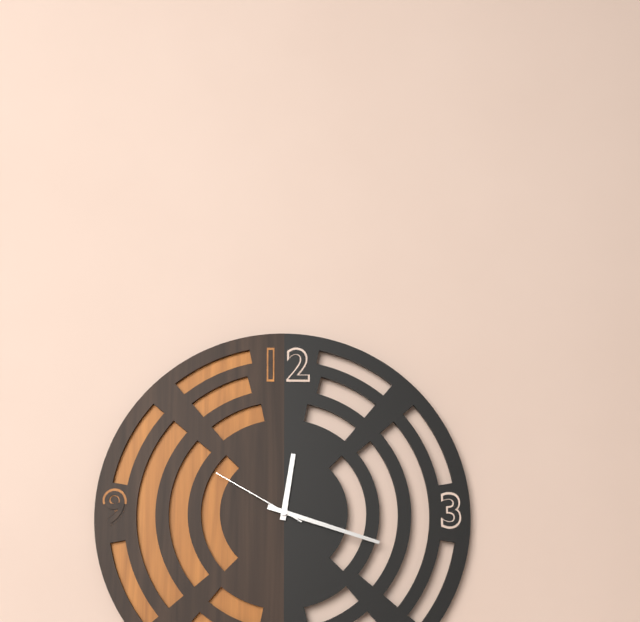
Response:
12.18.50
